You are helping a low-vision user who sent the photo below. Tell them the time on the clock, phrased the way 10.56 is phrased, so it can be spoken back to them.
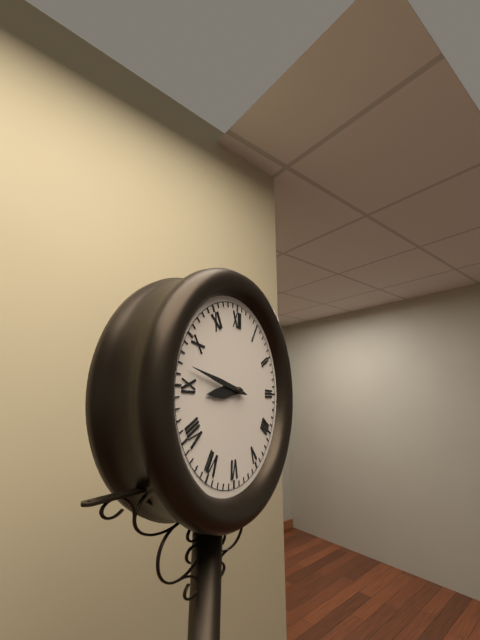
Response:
8.47
